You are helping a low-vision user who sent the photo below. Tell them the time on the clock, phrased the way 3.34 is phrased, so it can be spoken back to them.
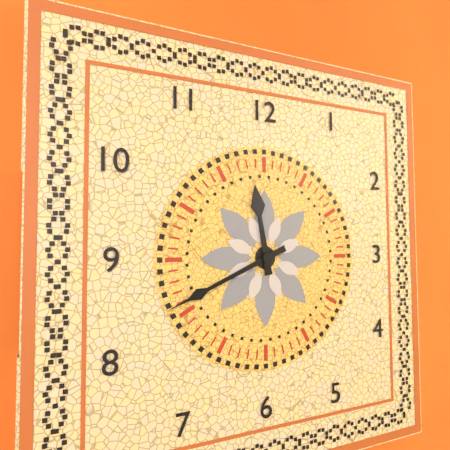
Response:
11.41
